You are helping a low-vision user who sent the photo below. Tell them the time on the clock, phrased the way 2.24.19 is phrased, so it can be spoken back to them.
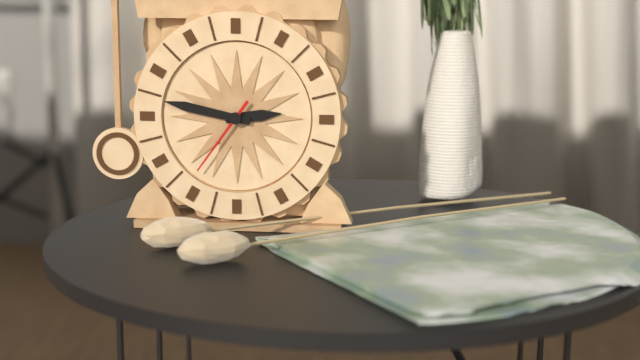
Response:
2.47.36
